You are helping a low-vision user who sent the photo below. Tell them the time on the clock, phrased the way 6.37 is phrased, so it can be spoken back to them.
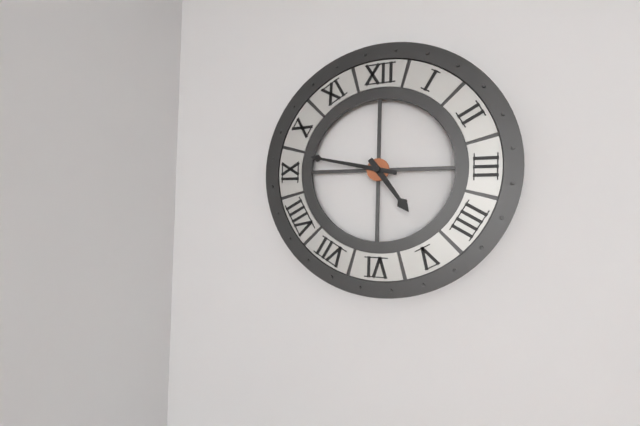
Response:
4.47
